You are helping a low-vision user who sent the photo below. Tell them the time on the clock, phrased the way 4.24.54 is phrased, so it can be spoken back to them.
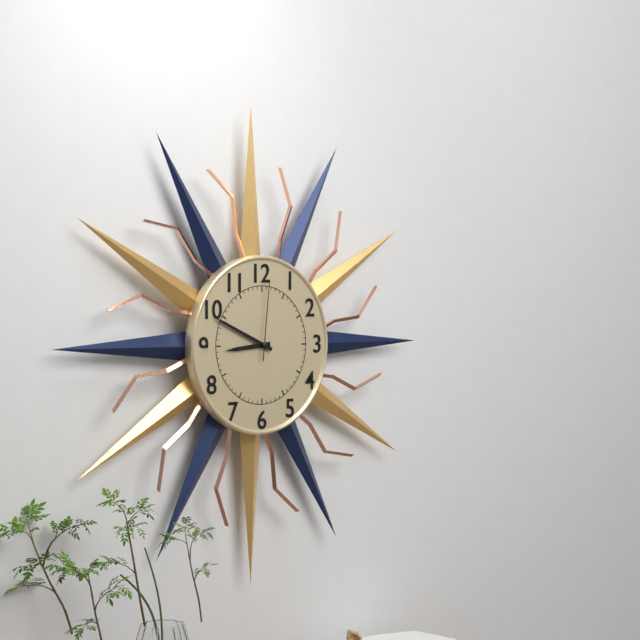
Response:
8.49.01
